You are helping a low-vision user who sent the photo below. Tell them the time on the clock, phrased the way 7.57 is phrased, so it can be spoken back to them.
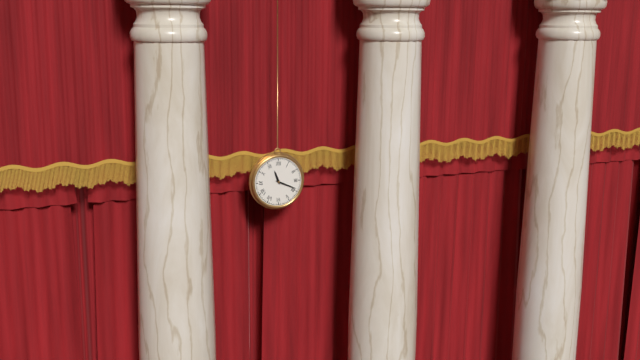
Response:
11.19
